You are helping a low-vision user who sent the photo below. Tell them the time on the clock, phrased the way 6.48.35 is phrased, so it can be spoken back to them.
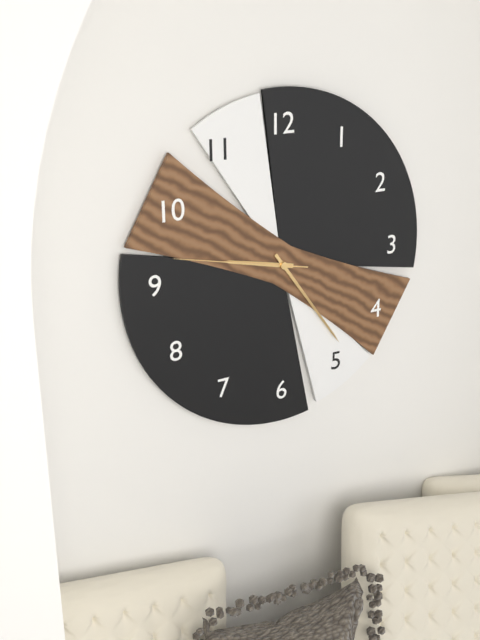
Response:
9.24.47
